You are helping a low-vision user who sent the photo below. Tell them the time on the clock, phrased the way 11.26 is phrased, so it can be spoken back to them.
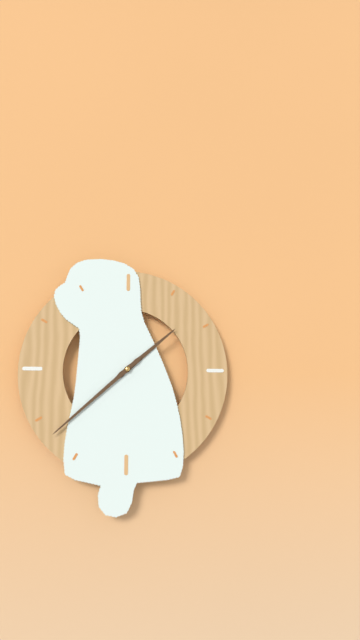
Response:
1.38
